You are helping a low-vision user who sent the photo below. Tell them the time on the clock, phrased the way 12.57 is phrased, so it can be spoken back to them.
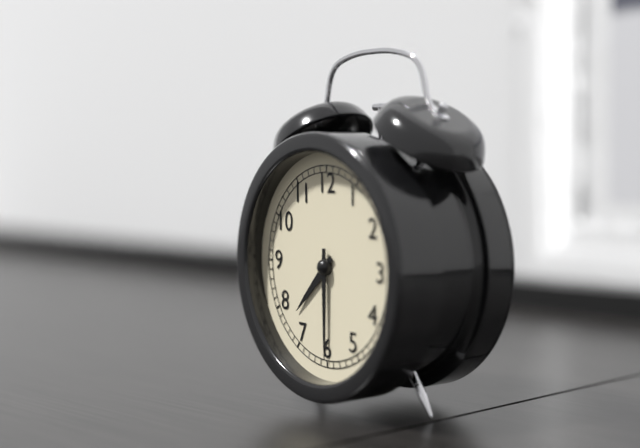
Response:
7.30
